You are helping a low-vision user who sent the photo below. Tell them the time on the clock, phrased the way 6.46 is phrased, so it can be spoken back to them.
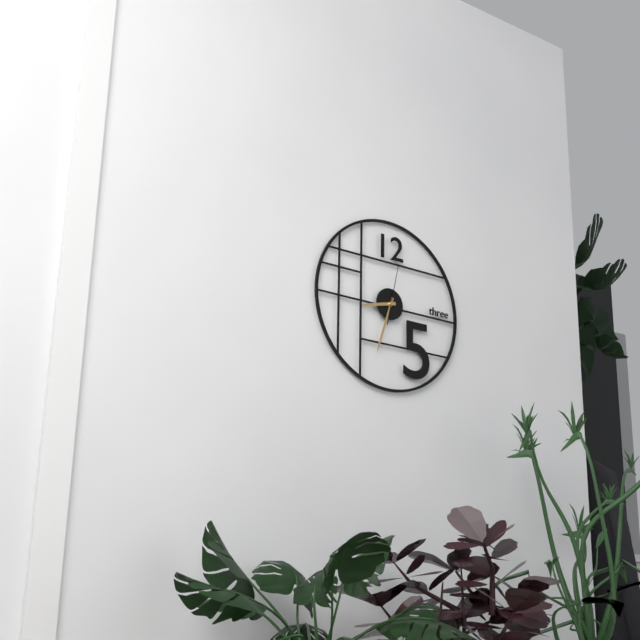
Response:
8.33
